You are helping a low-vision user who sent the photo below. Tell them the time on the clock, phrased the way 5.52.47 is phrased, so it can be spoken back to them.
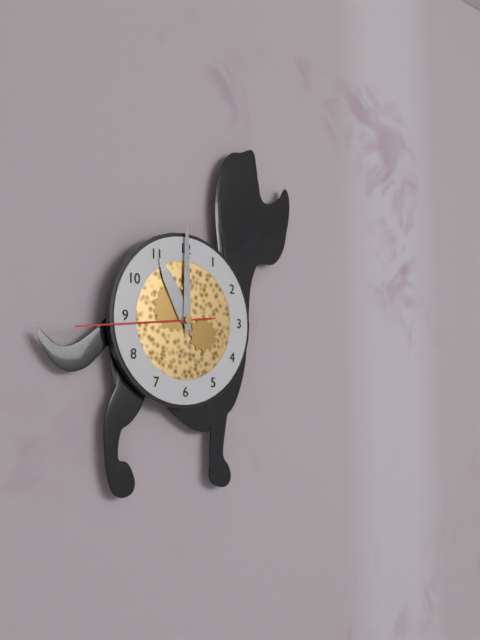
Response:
11.00.44
